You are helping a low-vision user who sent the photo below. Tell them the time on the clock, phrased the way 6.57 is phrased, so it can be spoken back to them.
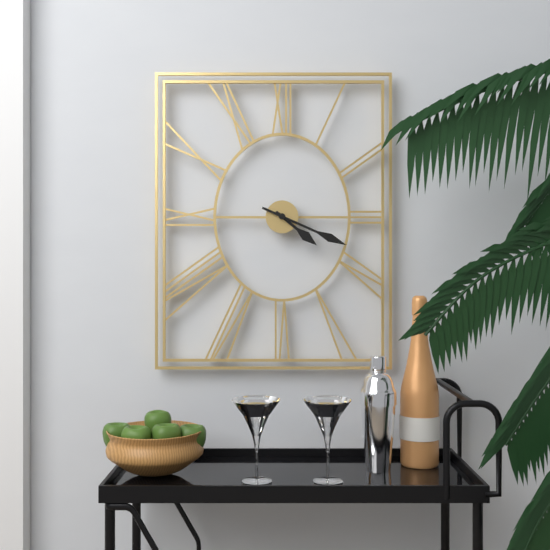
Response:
4.19
